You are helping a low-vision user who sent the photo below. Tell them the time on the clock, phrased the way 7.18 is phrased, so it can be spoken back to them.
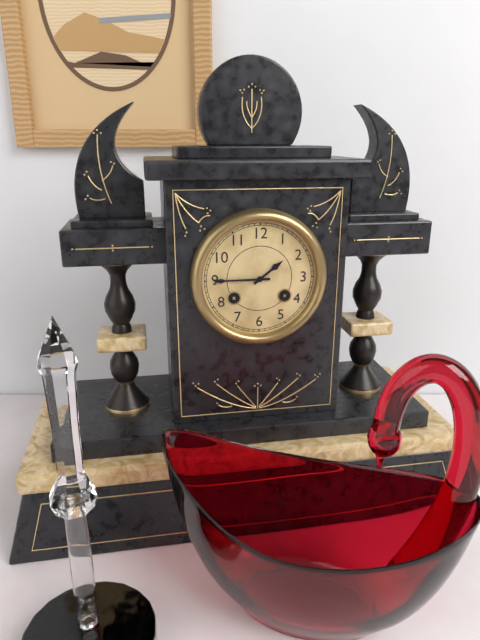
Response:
1.45
